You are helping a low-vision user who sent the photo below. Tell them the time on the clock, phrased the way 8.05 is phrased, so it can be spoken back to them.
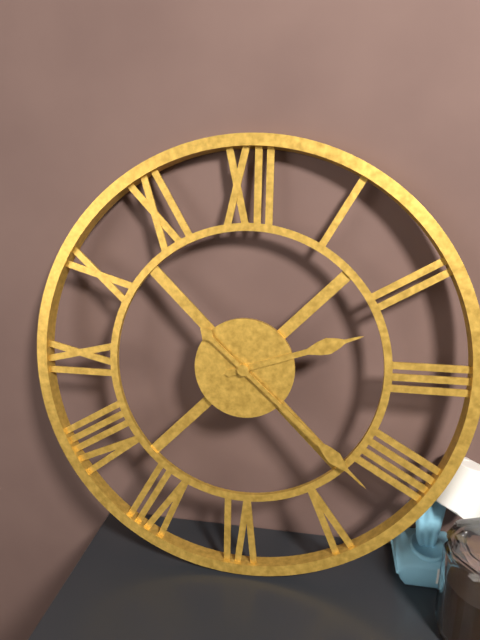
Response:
2.22
